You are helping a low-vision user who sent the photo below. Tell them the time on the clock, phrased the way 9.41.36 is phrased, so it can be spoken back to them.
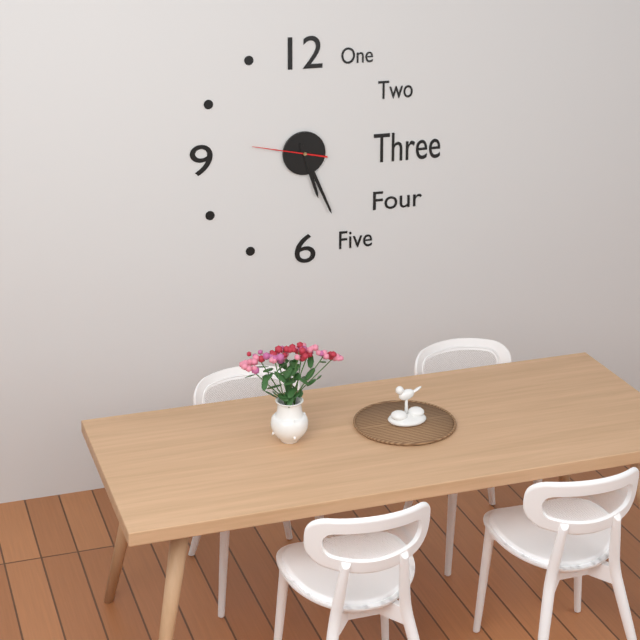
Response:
5.26.47
